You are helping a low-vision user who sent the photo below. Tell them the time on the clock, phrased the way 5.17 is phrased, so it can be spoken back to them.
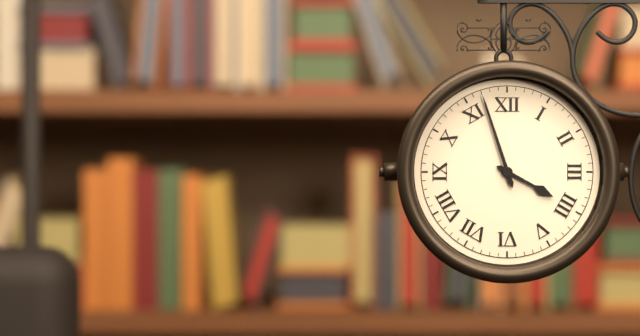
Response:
3.57
